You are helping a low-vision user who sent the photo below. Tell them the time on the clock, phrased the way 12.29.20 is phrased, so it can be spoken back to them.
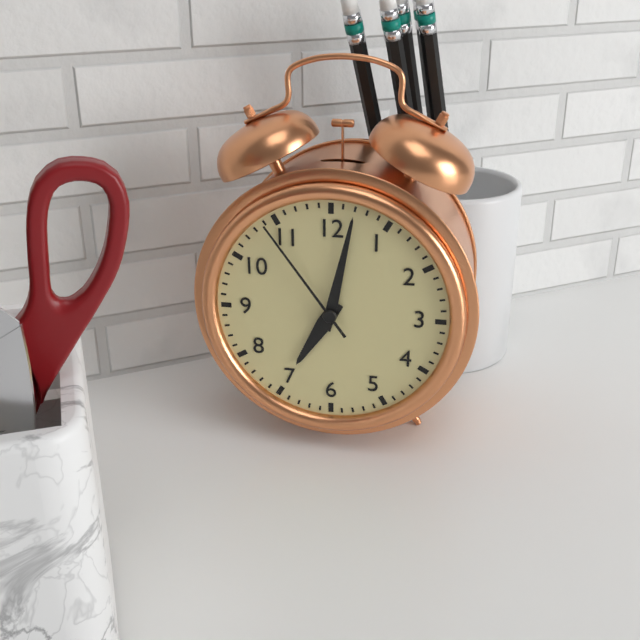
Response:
7.02.54
